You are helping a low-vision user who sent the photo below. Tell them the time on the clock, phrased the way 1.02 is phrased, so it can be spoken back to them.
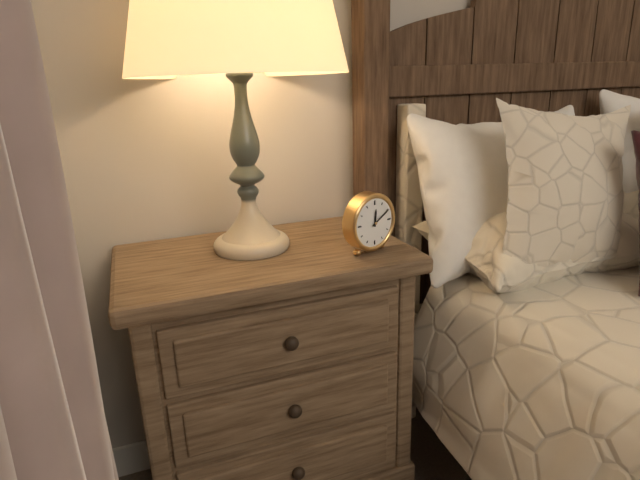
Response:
12.10
